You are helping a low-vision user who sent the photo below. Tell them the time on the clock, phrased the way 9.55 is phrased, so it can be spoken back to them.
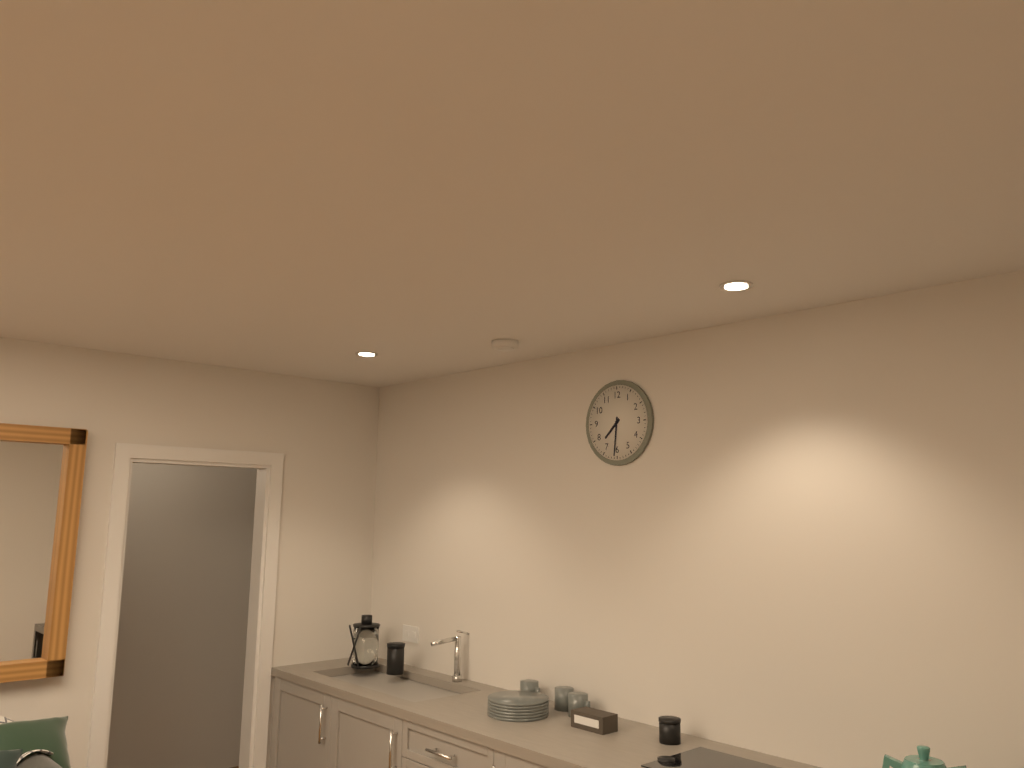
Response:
7.31
